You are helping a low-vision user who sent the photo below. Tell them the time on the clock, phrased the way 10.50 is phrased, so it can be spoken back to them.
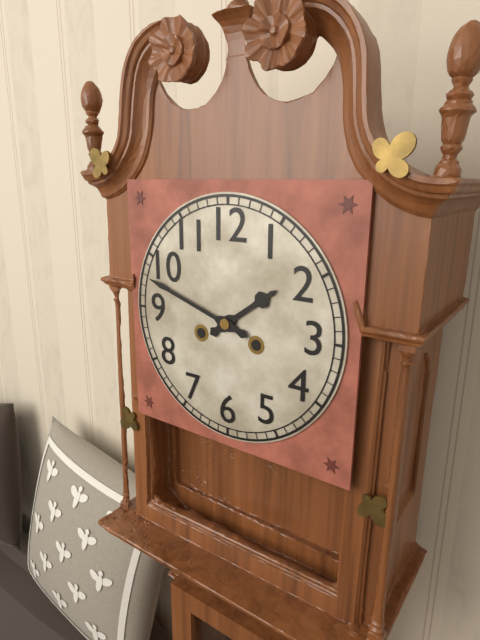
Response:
1.48
